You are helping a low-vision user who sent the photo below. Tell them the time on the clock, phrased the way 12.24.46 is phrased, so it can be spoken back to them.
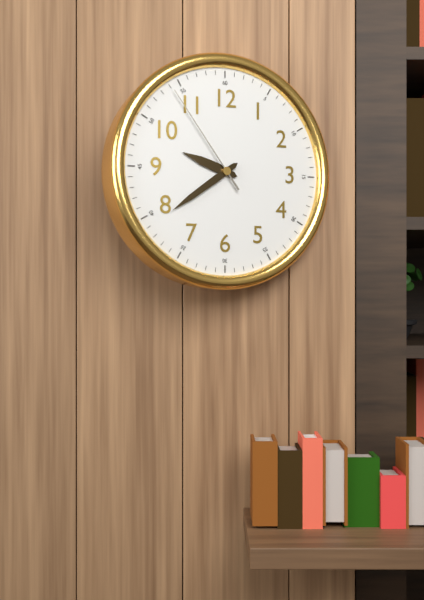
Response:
9.39.54
